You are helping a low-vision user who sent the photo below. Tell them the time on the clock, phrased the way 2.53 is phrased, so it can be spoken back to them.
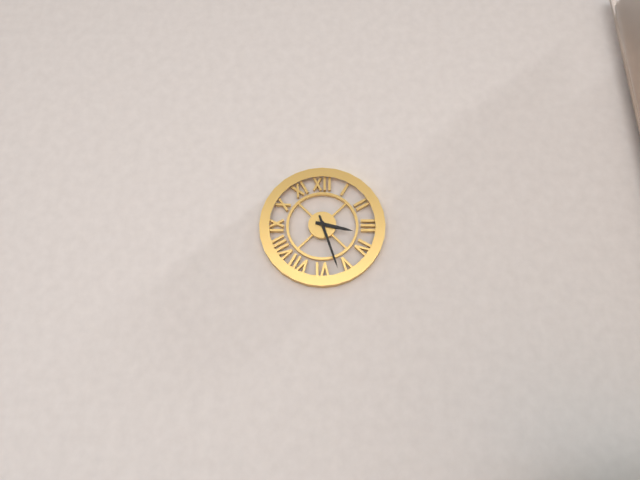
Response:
3.27
